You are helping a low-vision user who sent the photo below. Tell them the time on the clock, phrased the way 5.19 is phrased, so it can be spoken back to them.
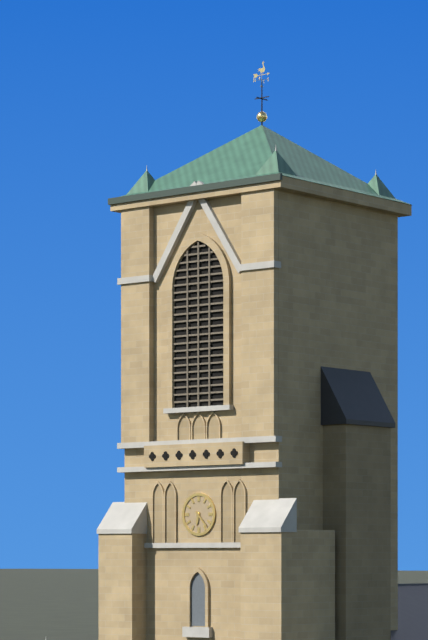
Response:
6.23
